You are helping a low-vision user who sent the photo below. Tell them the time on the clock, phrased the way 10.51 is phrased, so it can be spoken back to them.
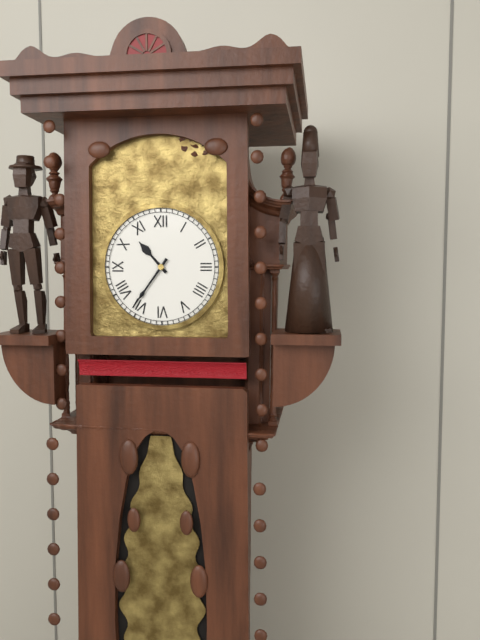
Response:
10.36
